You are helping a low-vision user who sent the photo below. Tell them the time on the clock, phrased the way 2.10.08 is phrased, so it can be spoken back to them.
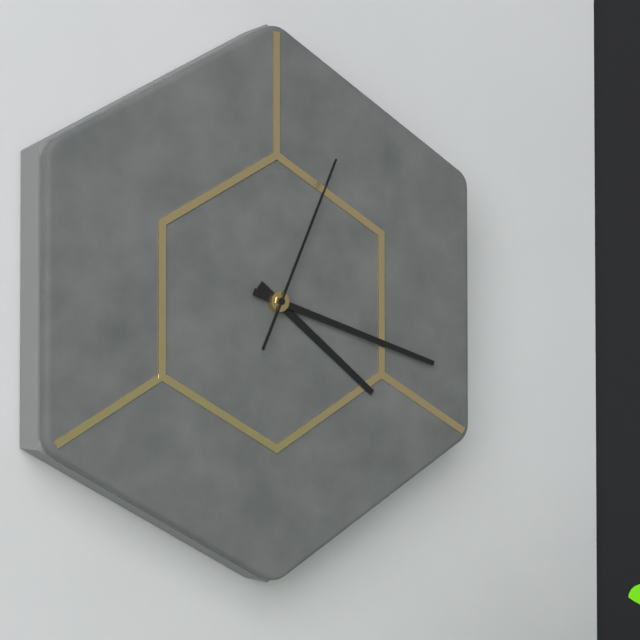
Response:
4.18.04
